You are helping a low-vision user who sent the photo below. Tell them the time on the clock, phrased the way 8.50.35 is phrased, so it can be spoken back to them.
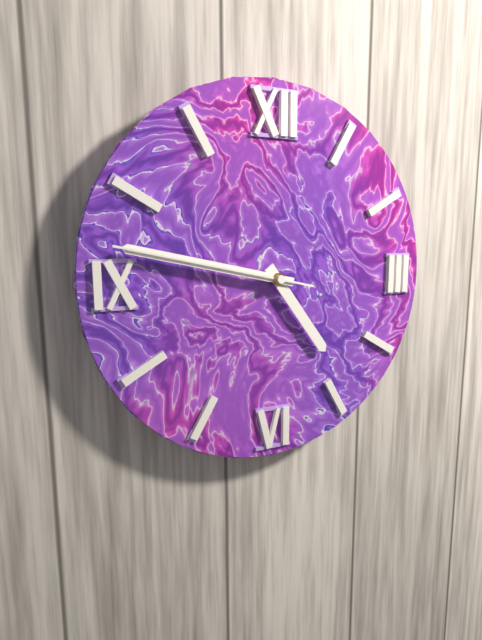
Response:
4.47.47
